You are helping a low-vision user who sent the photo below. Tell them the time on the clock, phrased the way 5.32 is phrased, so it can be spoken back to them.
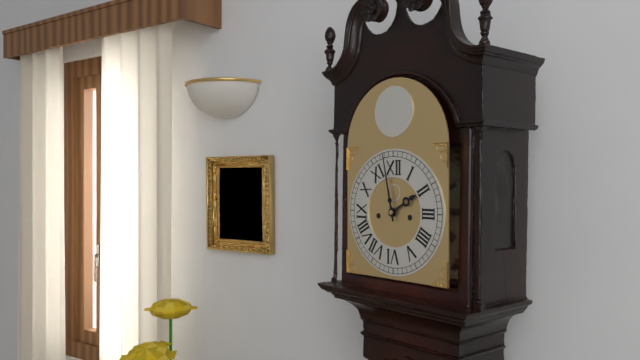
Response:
1.58
